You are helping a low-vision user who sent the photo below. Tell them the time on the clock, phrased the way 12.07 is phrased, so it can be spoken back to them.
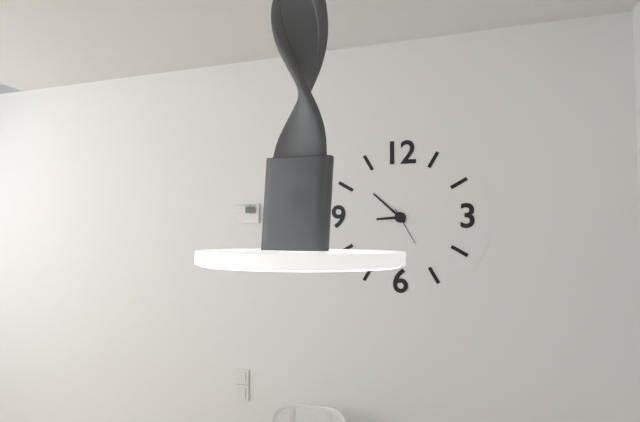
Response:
8.52
